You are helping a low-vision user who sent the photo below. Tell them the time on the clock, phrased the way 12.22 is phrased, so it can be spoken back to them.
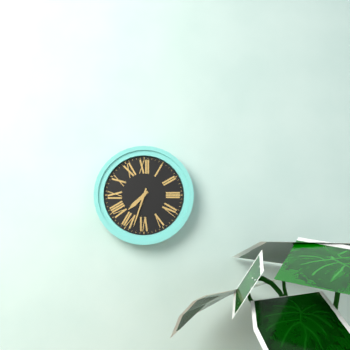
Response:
7.33
